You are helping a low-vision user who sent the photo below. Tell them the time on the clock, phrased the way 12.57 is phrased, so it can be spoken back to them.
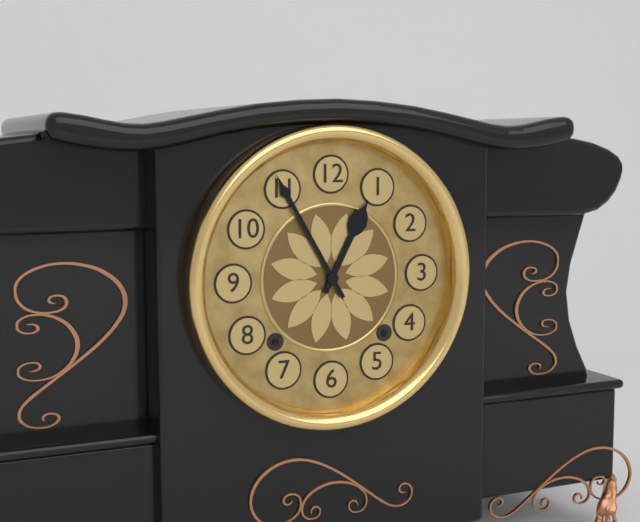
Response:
12.55
